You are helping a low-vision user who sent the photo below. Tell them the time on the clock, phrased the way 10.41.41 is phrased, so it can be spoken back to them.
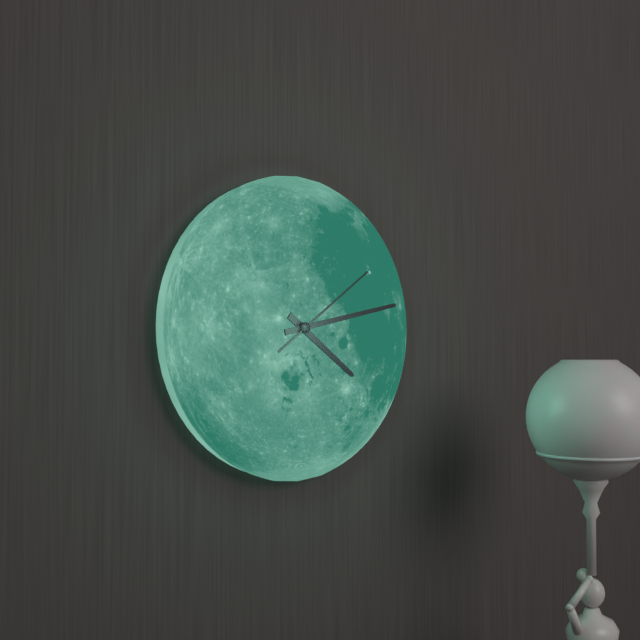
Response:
4.13.09
